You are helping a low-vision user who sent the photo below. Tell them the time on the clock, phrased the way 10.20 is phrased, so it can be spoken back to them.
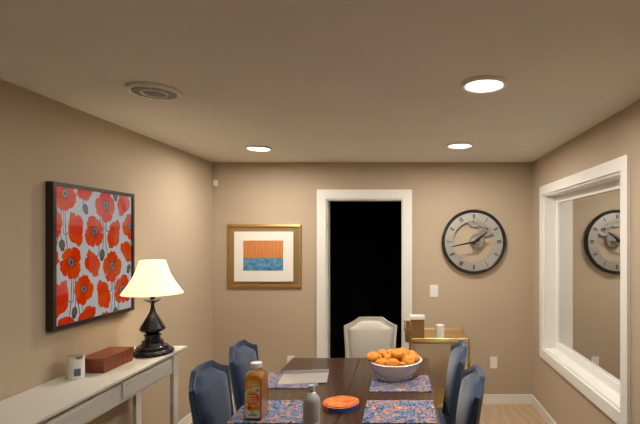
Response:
1.43
